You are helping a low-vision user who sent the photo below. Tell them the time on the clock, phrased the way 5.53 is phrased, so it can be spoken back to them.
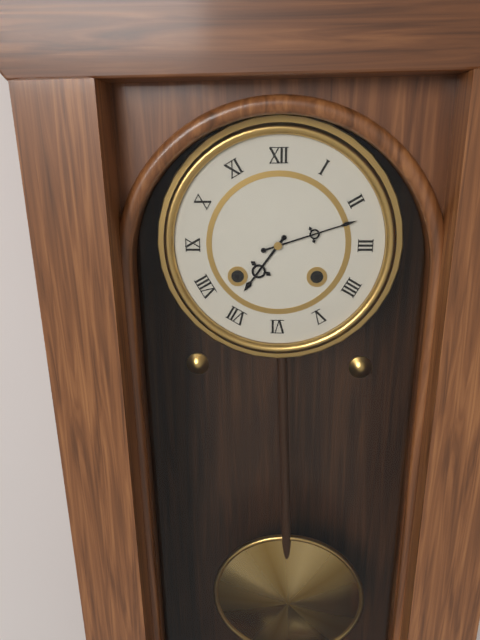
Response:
7.12
